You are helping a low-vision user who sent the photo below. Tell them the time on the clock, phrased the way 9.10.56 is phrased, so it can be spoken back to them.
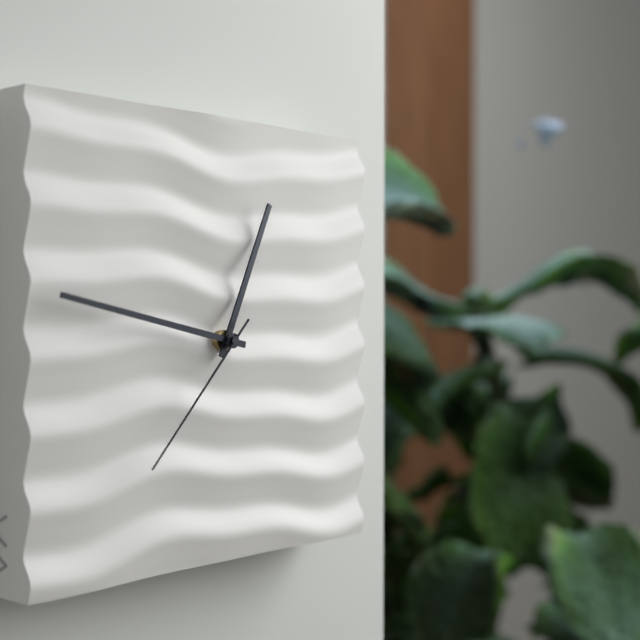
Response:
12.47.37
